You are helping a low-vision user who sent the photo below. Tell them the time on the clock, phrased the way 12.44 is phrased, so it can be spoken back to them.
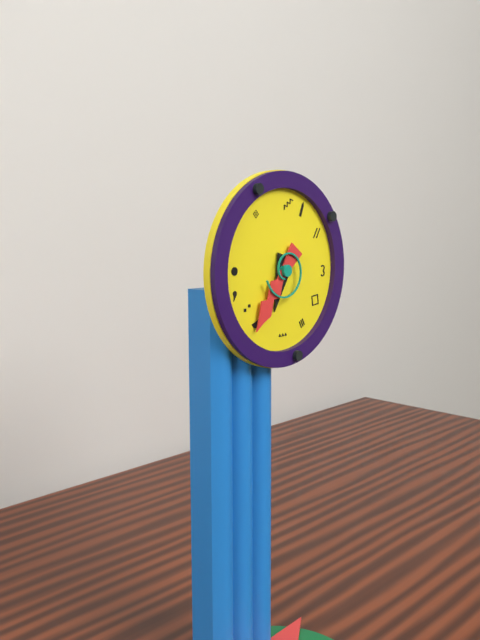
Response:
6.36
